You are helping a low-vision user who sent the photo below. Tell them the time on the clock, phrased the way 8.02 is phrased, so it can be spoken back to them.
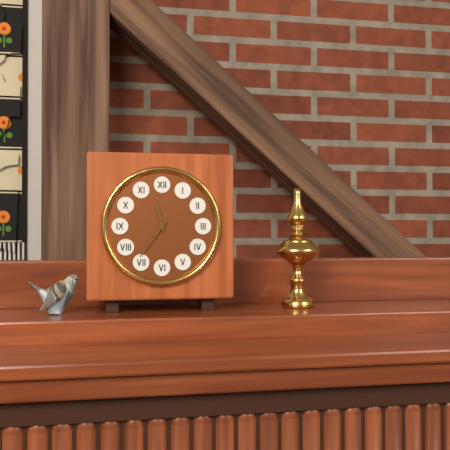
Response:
11.36
